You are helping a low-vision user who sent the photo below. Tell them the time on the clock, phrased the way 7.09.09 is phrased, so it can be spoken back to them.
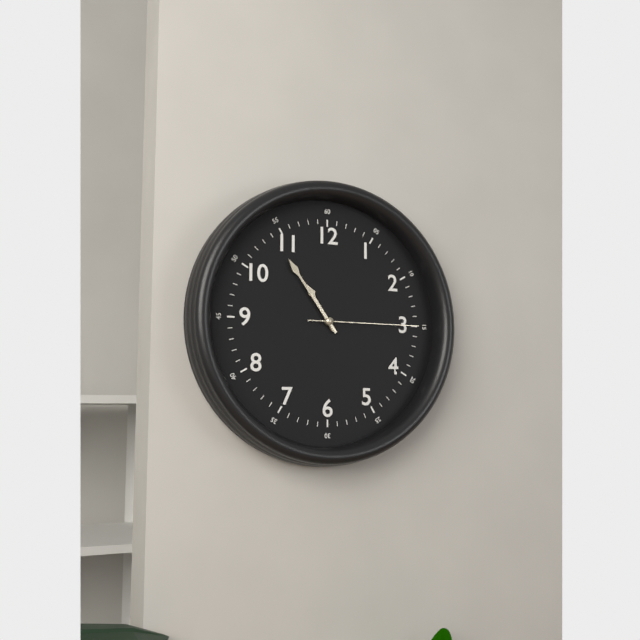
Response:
10.54.15
